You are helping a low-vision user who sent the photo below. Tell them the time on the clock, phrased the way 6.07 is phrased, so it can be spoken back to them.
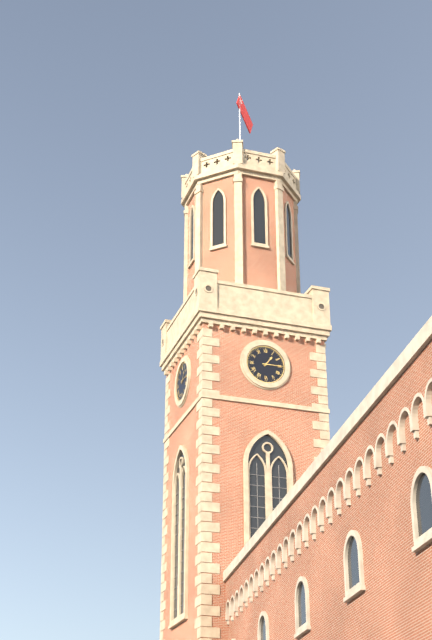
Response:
1.15
